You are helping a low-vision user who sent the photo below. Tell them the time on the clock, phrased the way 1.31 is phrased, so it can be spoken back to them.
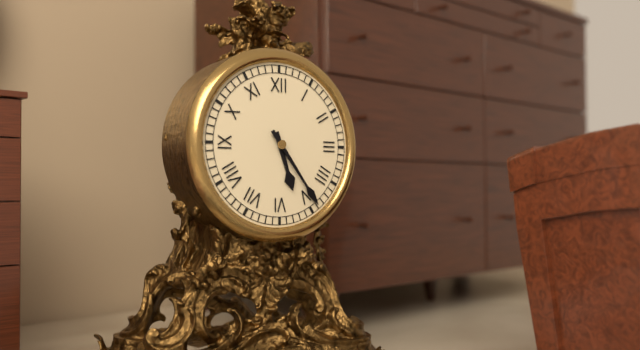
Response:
5.24
